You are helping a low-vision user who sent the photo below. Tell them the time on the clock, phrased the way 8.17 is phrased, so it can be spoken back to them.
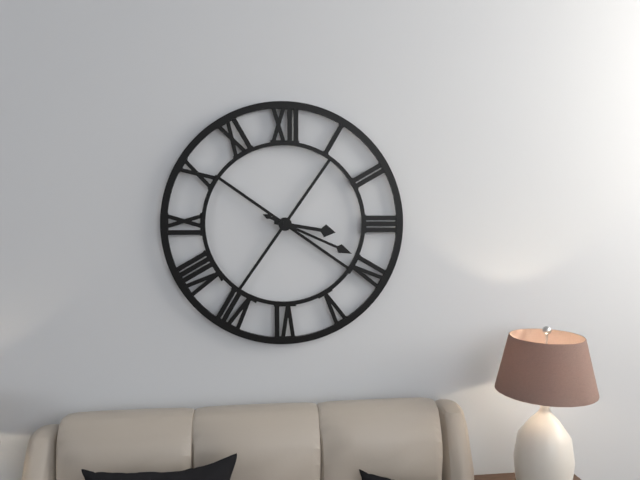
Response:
3.19
